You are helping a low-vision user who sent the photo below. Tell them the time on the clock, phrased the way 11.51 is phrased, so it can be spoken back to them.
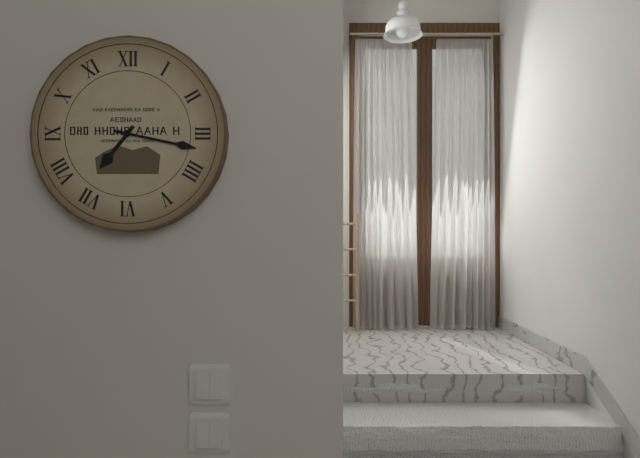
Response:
7.17
